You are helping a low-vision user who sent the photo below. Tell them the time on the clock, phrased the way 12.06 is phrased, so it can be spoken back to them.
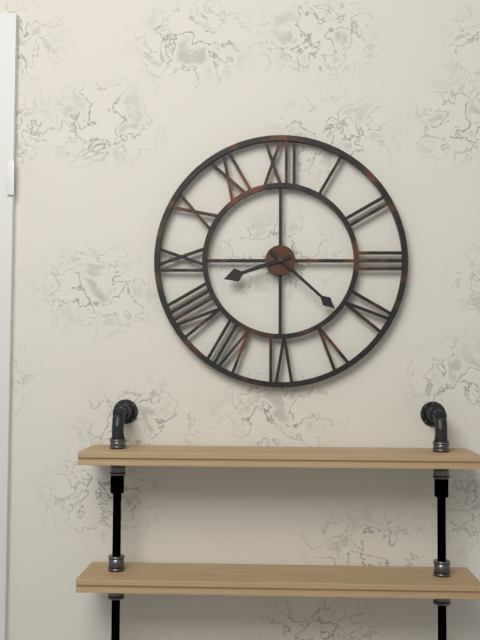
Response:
8.22
